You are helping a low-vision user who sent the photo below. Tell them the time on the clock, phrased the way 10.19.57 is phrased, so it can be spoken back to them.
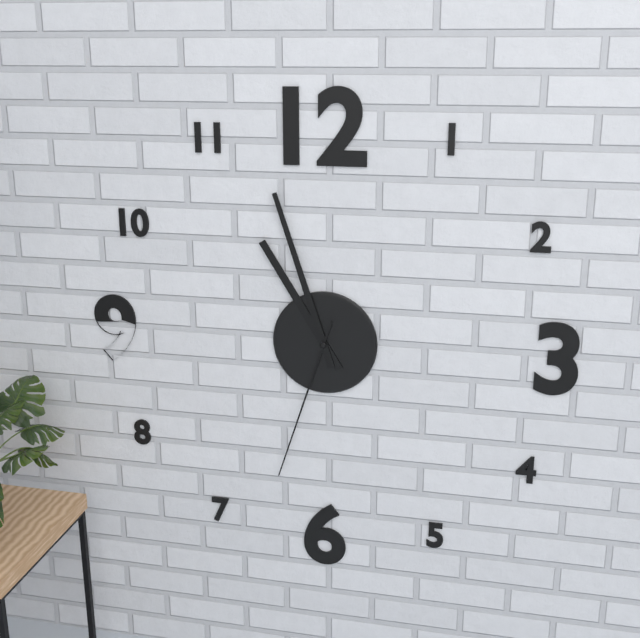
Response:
10.57.33
